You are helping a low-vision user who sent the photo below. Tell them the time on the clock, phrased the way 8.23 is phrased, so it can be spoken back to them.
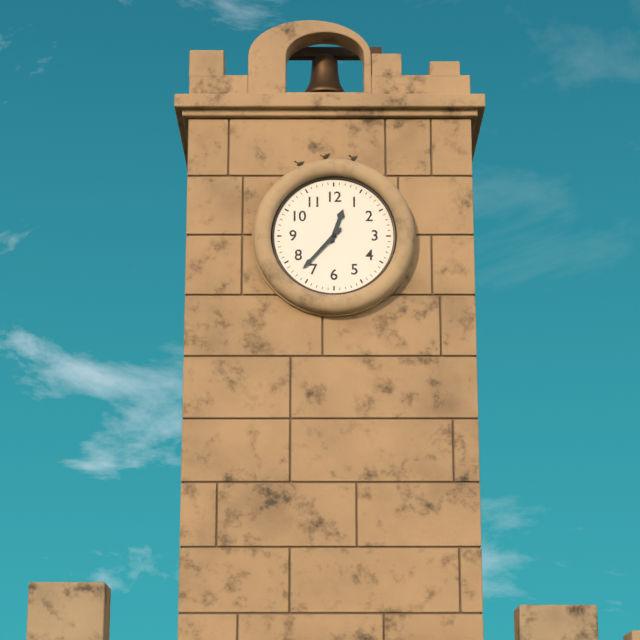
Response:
12.37
